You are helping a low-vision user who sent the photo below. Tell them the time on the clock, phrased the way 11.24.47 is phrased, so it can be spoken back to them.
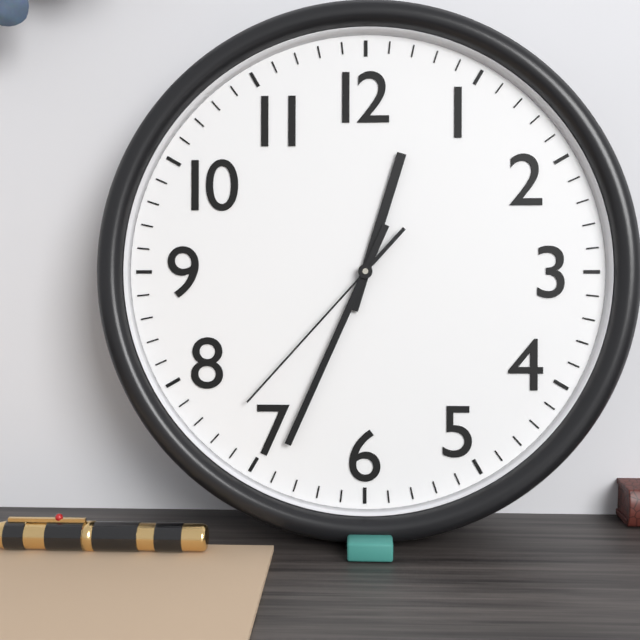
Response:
12.34.37
